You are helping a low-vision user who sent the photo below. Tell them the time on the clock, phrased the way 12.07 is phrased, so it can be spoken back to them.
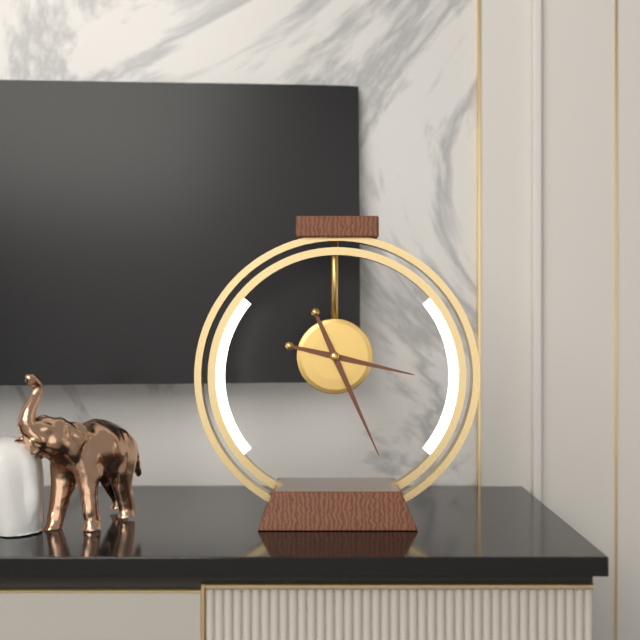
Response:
3.26
